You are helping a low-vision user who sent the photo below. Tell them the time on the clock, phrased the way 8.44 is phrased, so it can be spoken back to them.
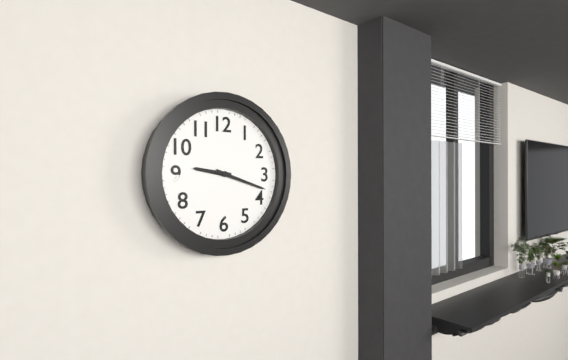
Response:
9.18
